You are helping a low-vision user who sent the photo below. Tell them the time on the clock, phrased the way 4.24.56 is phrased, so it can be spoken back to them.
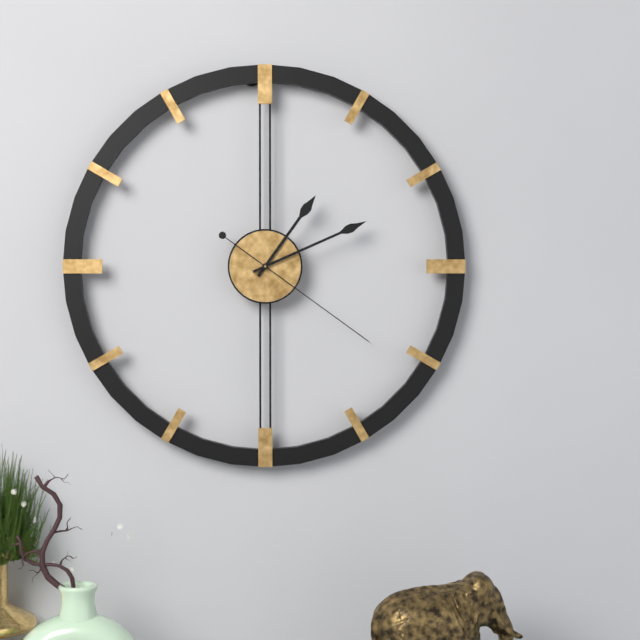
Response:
1.11.21
